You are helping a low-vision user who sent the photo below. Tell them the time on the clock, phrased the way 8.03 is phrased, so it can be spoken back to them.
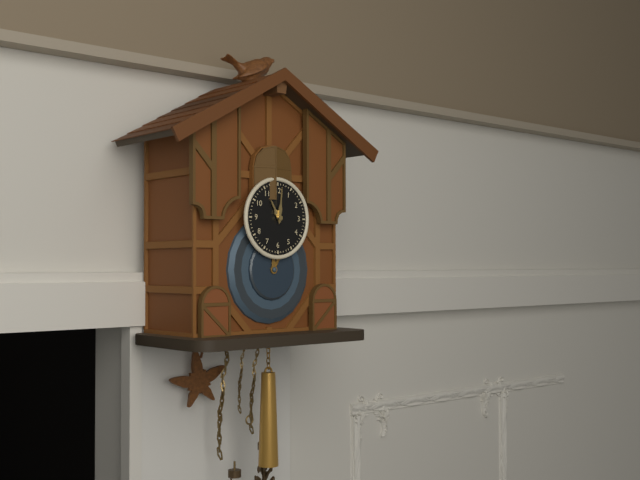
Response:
11.01
